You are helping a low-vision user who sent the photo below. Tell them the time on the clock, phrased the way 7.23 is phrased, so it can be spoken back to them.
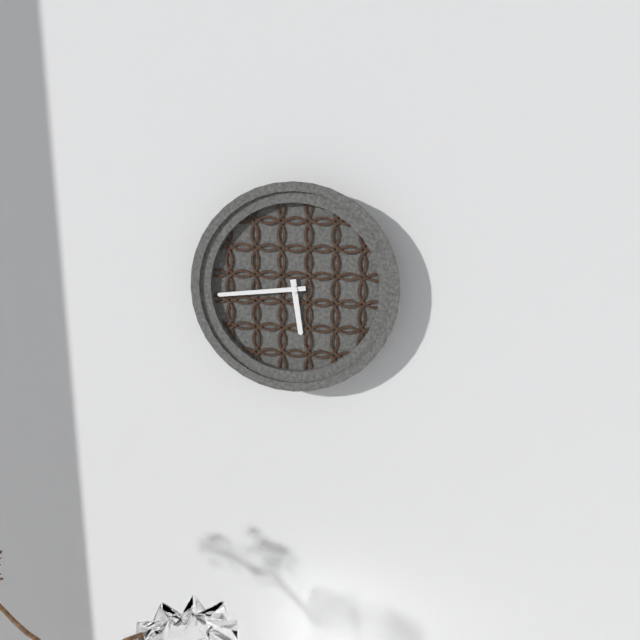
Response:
5.44
